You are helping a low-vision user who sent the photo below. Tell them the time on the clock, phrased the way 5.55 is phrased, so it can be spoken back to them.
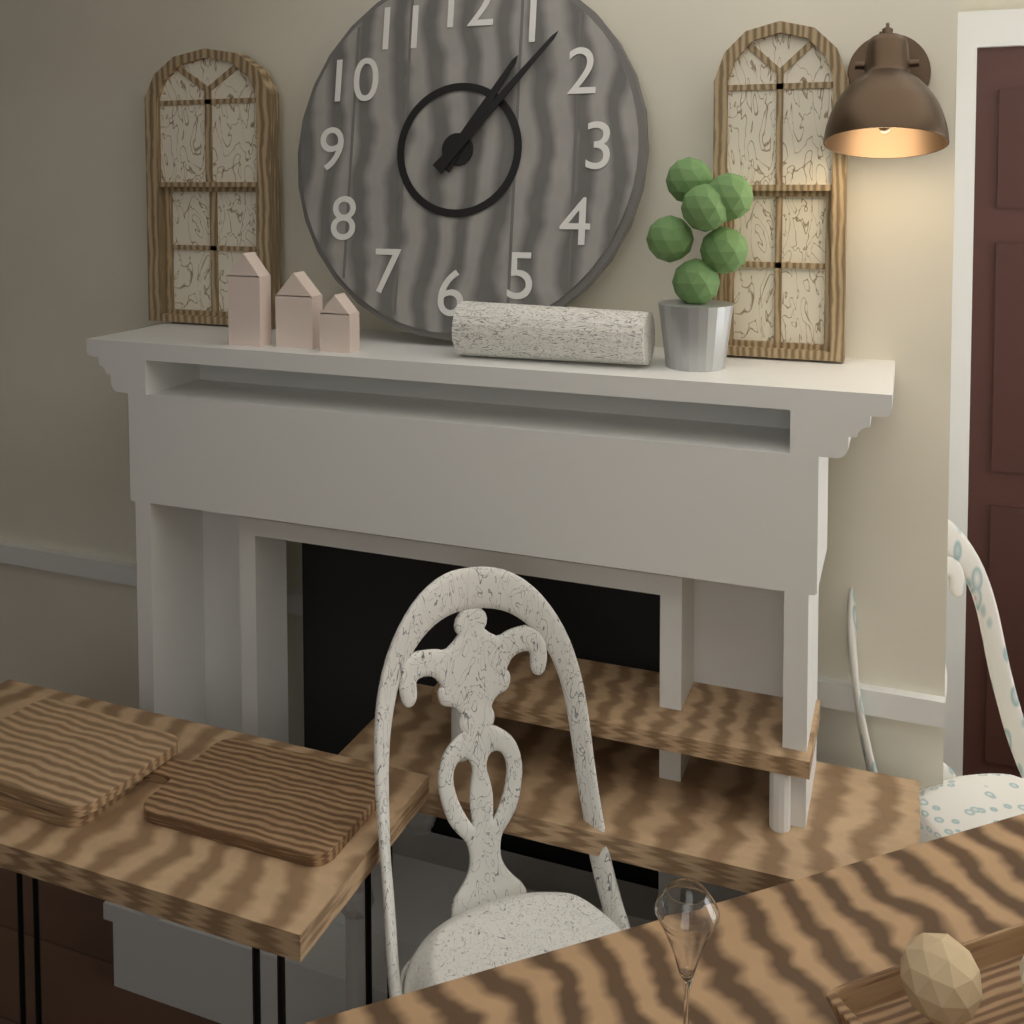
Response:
1.07
